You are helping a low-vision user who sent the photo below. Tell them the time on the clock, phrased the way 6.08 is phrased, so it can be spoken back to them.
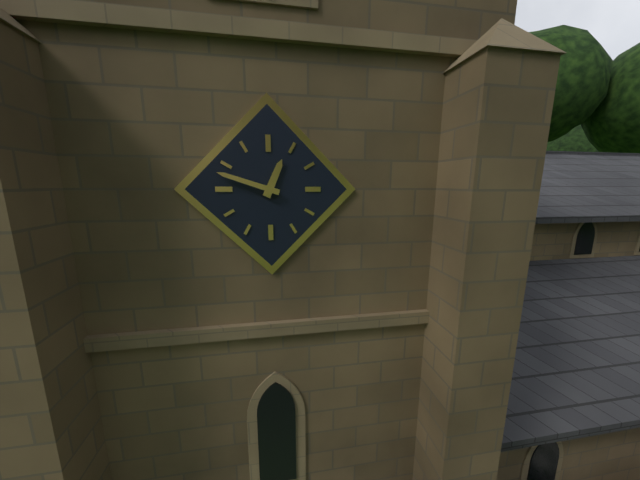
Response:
12.48
